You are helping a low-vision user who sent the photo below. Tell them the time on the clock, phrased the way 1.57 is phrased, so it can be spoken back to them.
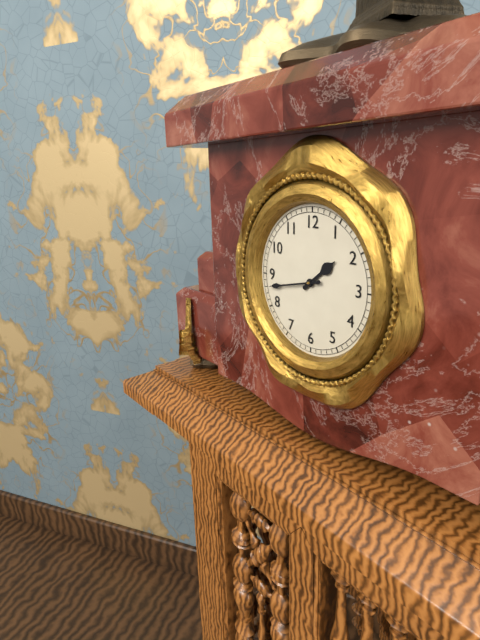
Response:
1.43
